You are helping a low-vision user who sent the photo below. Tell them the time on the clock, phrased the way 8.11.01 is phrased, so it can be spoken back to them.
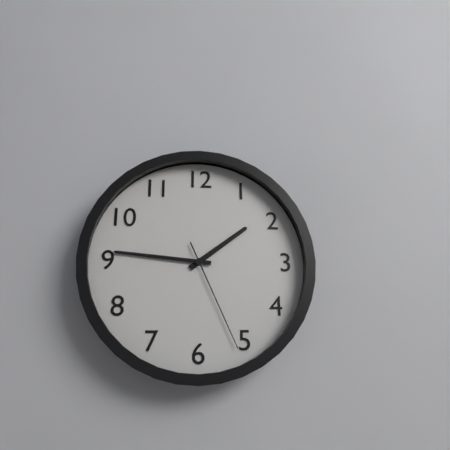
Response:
1.46.26
